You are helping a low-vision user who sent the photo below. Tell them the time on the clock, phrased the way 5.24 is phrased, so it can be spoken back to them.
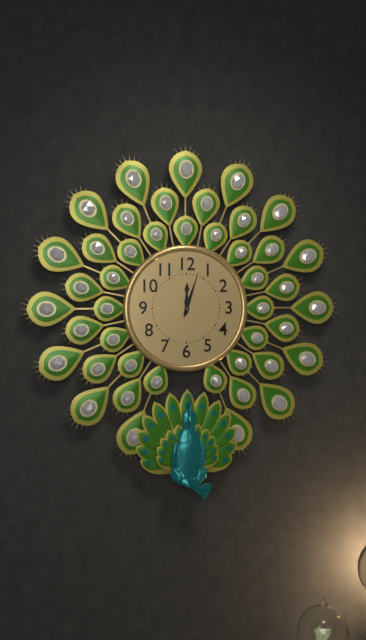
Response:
12.03
